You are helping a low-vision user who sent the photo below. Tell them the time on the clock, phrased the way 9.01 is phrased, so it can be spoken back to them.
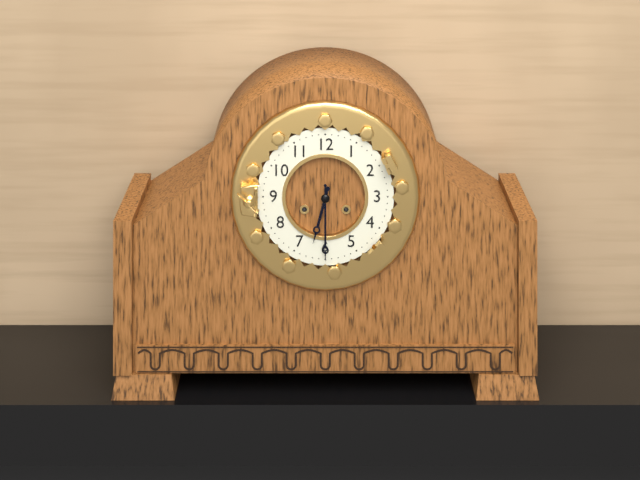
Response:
6.30
